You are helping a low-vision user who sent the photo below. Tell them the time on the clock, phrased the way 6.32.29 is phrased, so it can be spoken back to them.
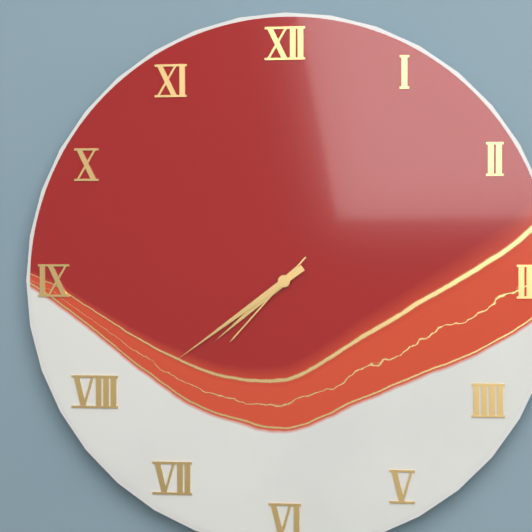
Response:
7.39.37
